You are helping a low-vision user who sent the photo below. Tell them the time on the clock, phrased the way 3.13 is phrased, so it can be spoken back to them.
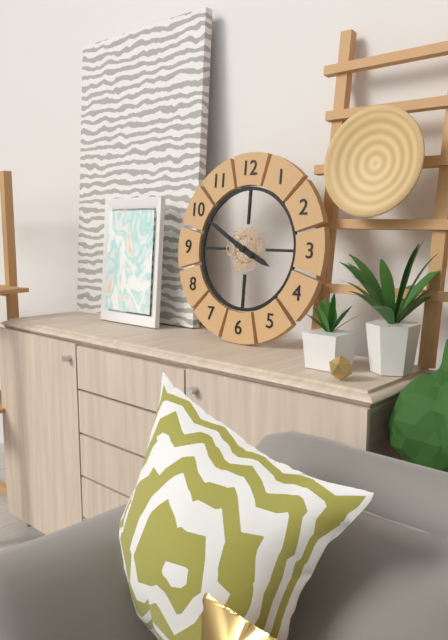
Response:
3.50
